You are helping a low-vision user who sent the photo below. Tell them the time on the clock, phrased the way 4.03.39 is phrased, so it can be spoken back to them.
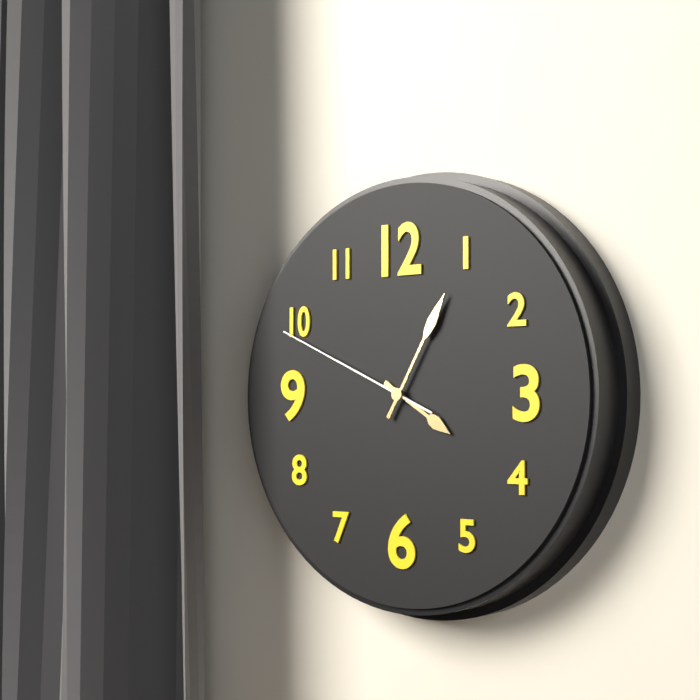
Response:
4.05.49
